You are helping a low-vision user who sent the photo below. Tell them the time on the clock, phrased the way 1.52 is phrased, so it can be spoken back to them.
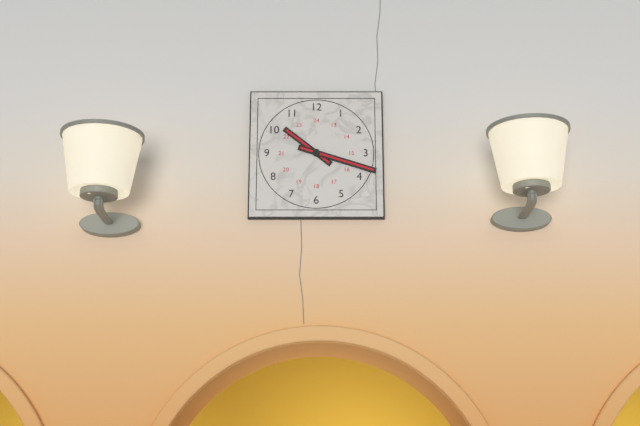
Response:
10.18
